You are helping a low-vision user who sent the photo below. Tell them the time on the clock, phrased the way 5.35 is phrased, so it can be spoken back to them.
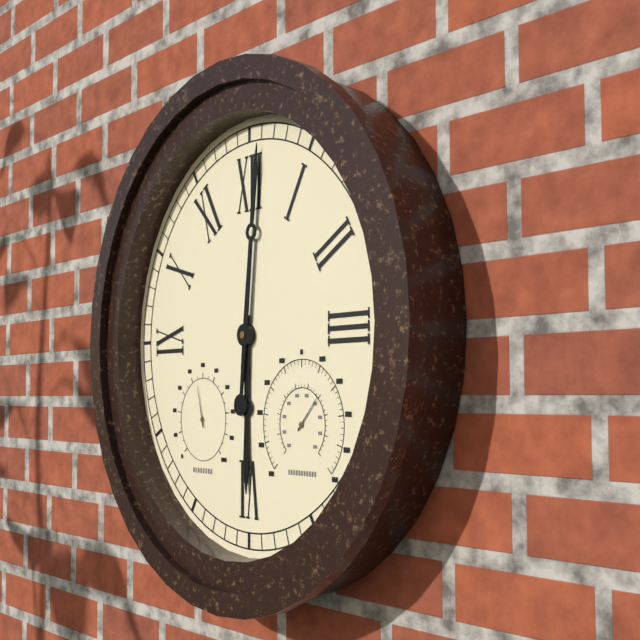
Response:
6.01
